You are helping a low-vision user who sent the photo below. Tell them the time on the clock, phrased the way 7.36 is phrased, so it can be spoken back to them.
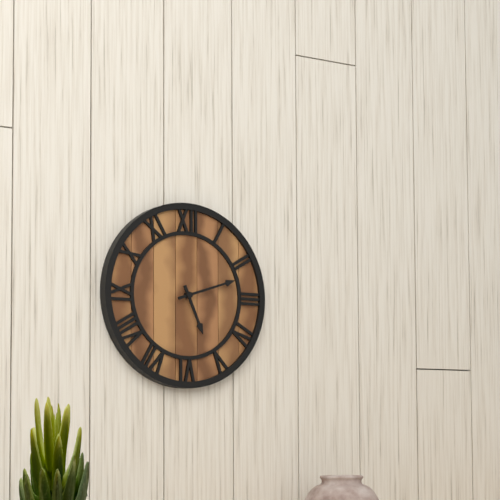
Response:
5.12
